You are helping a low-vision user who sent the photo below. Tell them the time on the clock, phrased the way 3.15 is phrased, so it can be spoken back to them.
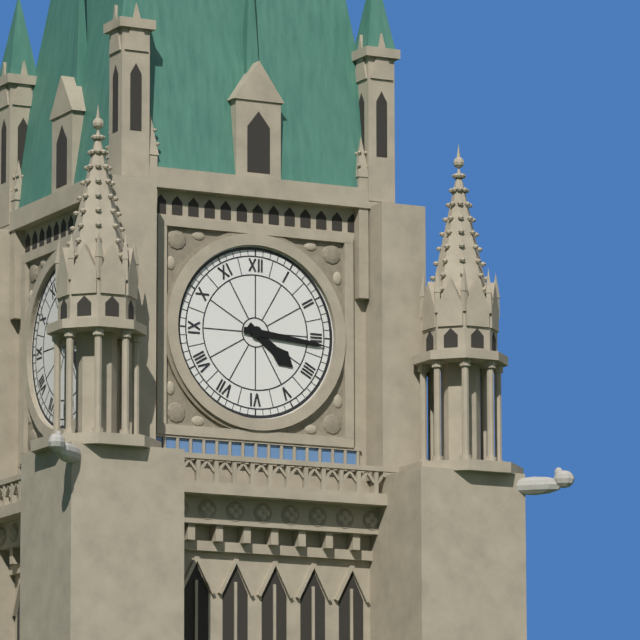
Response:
4.16
